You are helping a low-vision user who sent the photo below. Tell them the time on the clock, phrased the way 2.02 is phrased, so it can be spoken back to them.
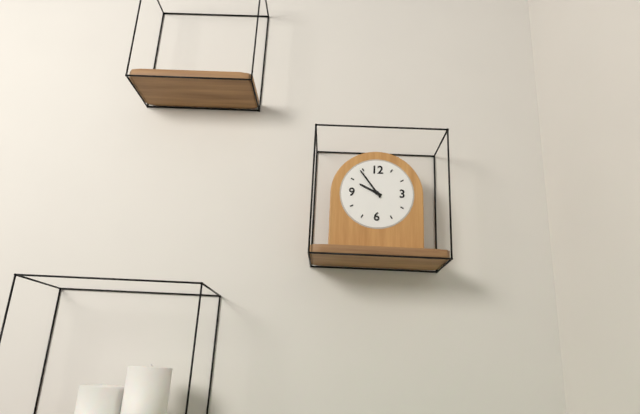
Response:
9.54
